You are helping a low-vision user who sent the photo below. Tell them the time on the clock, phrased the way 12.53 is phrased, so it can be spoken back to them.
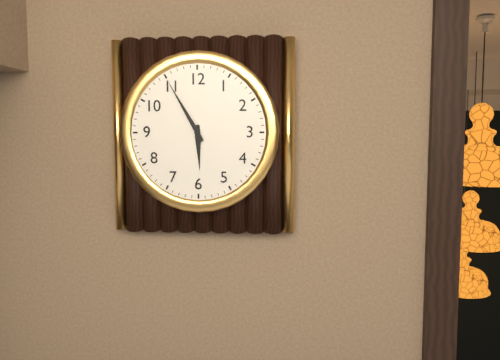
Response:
5.55
